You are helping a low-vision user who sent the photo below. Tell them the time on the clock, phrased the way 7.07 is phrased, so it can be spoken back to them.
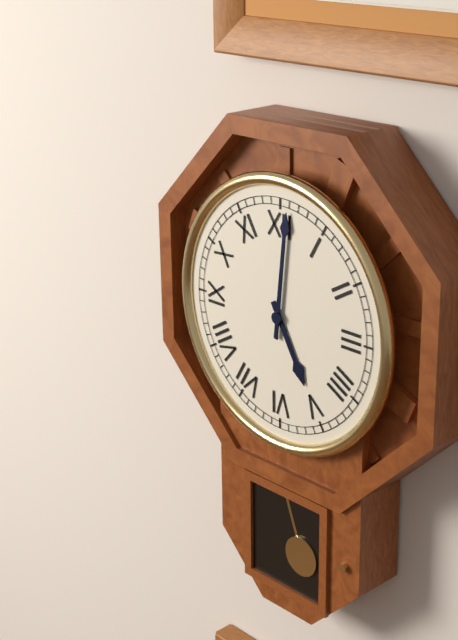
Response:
5.01
